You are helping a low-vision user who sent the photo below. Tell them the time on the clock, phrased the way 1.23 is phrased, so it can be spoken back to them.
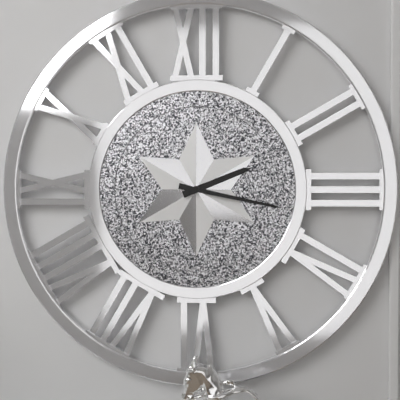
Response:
2.17
